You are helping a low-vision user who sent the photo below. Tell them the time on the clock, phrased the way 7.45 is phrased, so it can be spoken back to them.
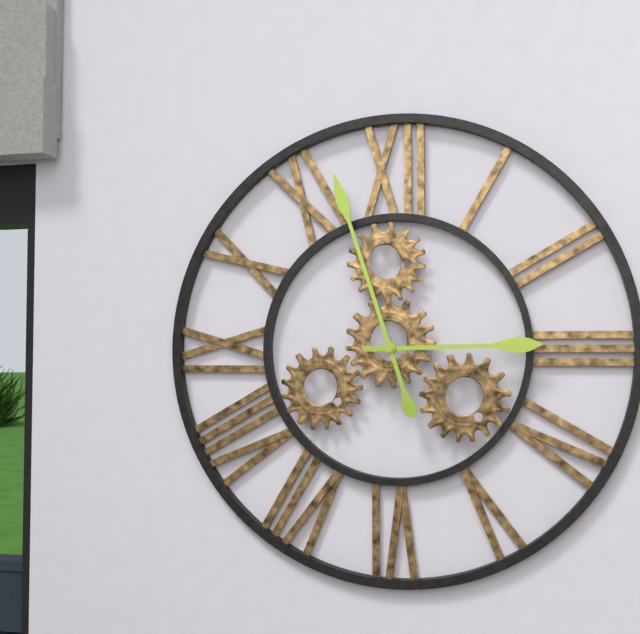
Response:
2.57
